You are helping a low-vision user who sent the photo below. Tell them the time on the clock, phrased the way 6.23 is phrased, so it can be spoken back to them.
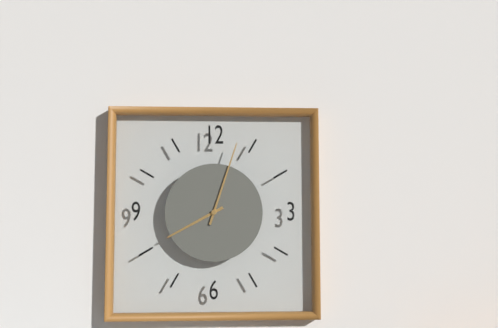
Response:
8.03
